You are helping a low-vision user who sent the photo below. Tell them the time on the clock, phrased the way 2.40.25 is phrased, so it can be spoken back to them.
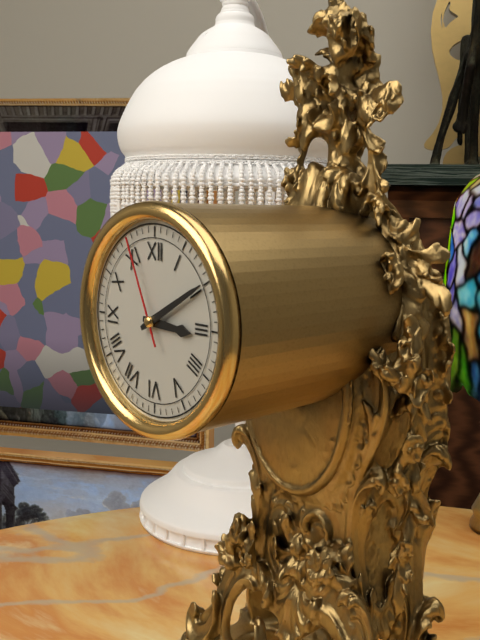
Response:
3.10.56
